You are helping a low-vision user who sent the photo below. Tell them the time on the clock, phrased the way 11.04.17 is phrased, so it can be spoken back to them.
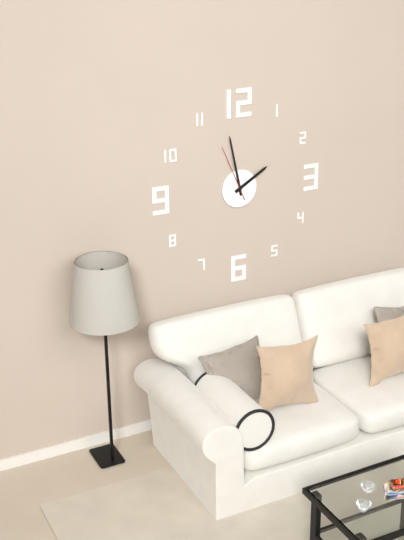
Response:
1.58.56
